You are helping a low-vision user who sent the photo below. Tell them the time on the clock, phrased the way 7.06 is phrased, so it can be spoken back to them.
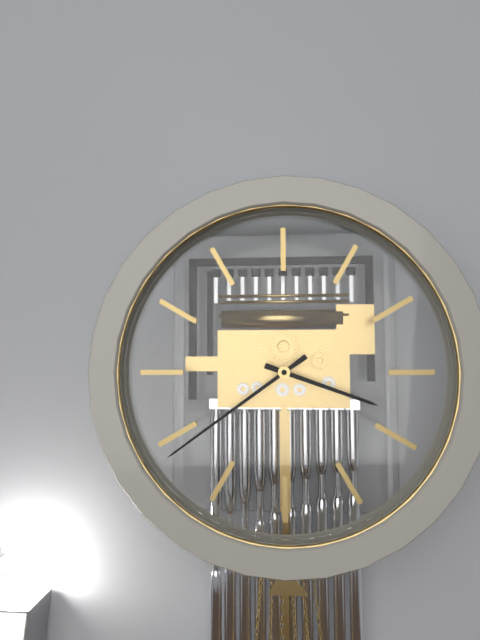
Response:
3.39
